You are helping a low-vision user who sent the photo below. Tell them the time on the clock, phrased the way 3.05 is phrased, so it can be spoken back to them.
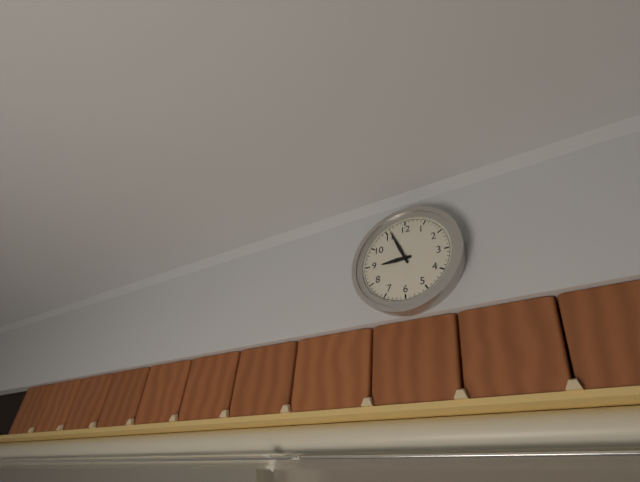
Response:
8.56
